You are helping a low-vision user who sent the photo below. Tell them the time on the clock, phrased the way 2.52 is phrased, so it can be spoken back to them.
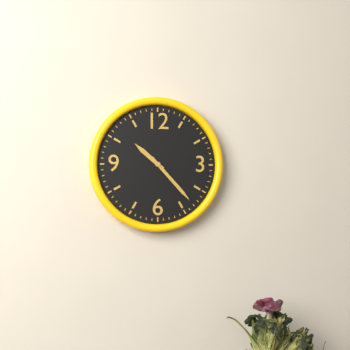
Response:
10.23
